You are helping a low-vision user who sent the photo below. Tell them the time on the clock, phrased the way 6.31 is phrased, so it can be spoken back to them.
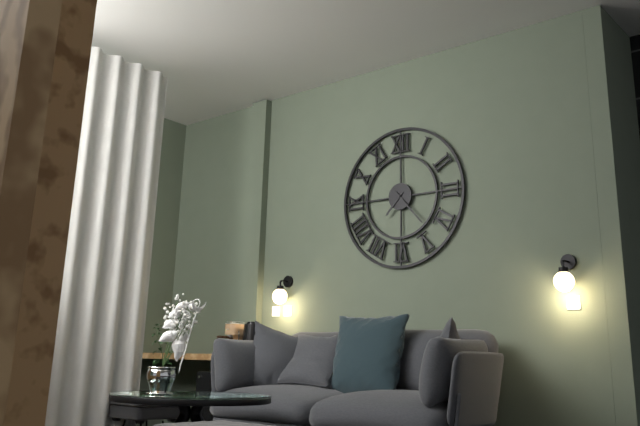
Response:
7.23
